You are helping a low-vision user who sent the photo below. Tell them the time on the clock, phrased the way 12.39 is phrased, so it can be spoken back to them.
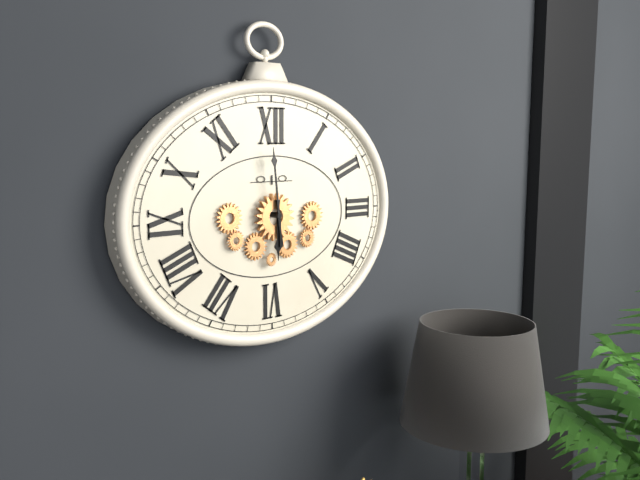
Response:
5.59
